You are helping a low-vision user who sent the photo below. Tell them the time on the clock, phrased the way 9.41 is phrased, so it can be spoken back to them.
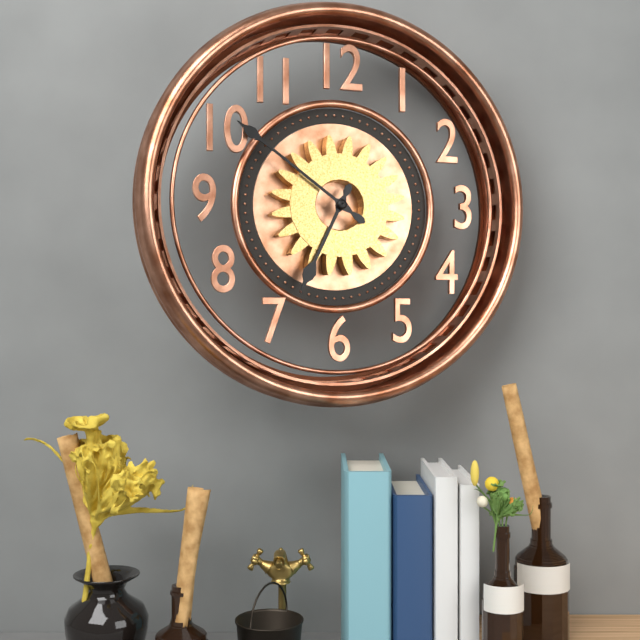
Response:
6.51
